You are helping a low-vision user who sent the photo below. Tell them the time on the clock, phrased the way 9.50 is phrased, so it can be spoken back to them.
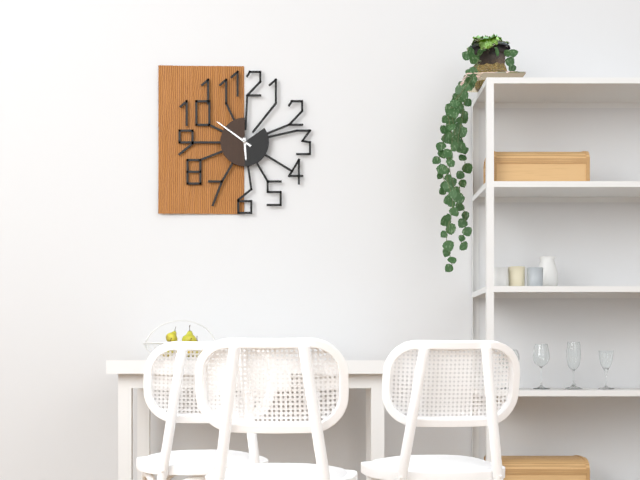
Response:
5.51
